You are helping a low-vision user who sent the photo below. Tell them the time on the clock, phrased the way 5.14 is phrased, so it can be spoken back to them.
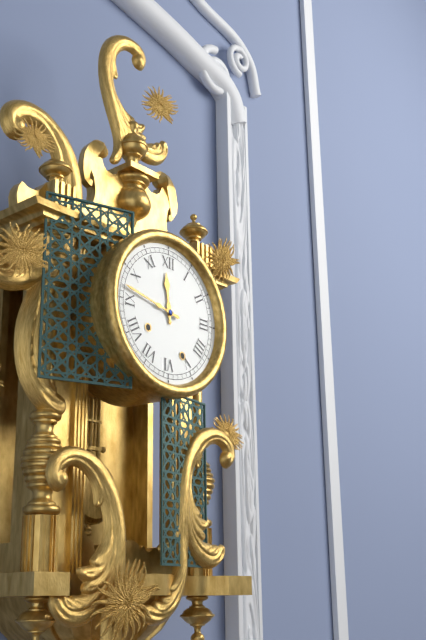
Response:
11.47
